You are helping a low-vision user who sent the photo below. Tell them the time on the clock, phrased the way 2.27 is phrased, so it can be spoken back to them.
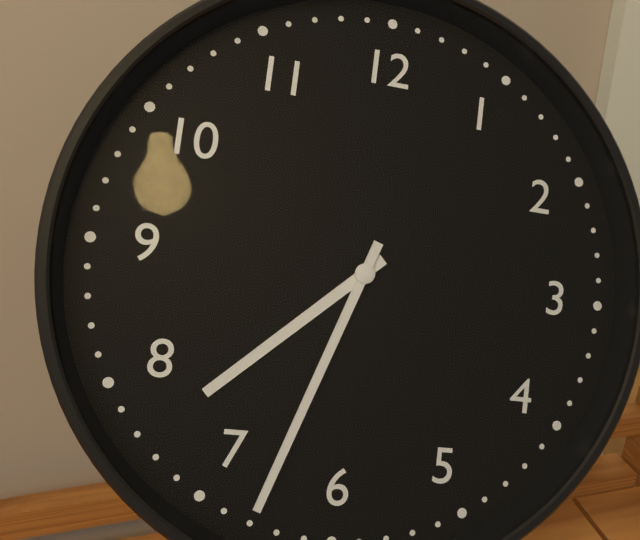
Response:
7.33
